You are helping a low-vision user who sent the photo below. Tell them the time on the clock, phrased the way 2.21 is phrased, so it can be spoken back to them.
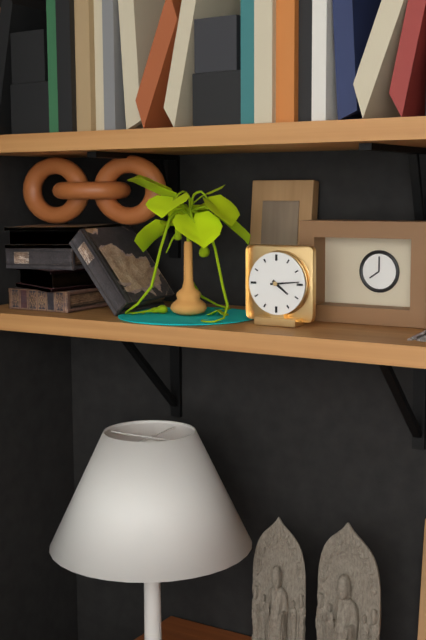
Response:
4.14
